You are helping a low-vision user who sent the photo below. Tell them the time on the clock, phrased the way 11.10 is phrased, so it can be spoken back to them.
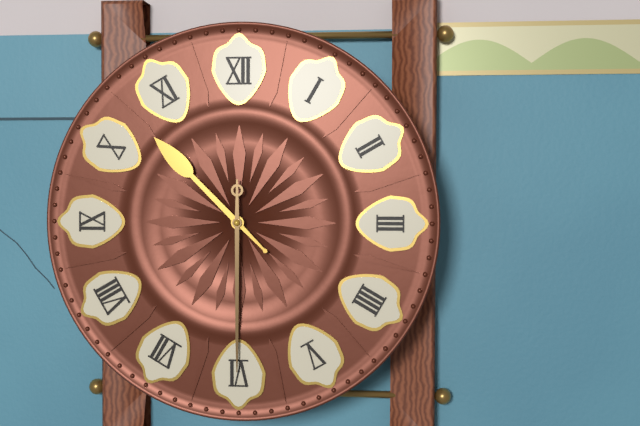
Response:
10.30
